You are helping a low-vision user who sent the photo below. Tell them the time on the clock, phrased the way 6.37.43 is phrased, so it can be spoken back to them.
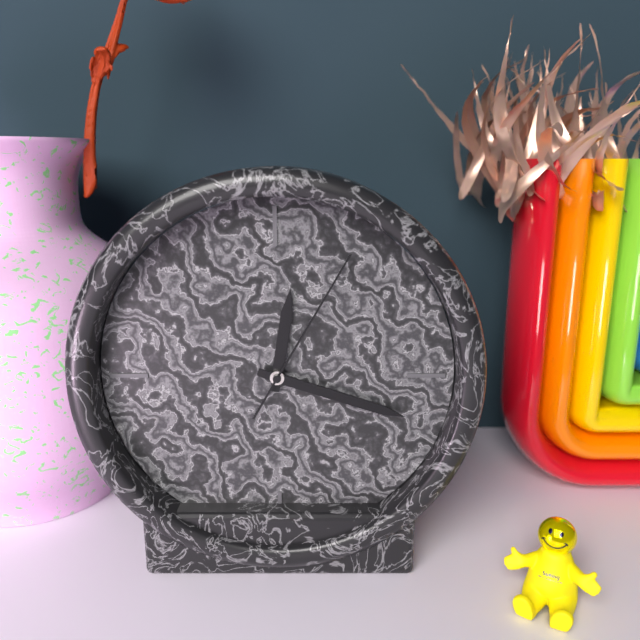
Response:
12.18.05
